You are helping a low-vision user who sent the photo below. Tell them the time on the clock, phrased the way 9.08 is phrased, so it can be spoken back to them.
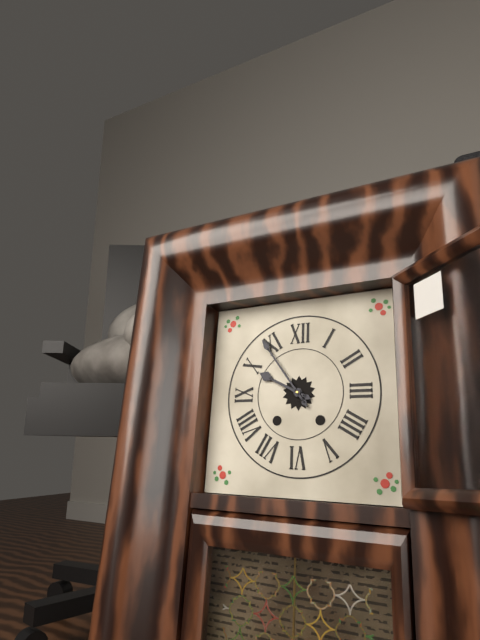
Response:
9.54
